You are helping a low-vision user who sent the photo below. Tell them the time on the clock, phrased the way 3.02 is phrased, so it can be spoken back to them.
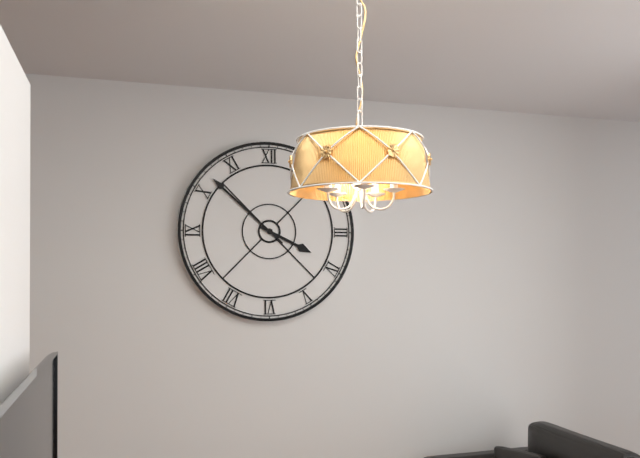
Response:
3.52
